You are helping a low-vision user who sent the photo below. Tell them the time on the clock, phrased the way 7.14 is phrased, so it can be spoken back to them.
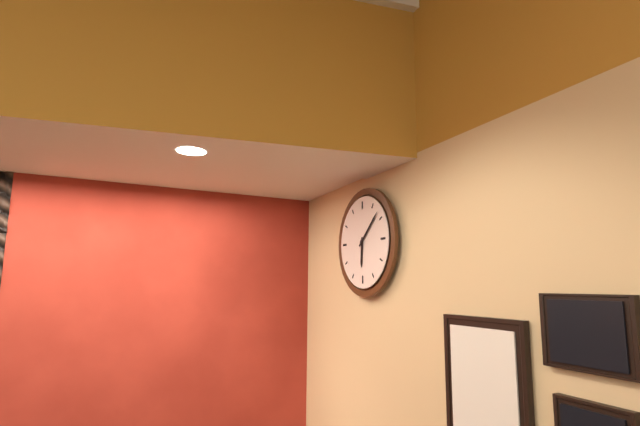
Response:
6.08
